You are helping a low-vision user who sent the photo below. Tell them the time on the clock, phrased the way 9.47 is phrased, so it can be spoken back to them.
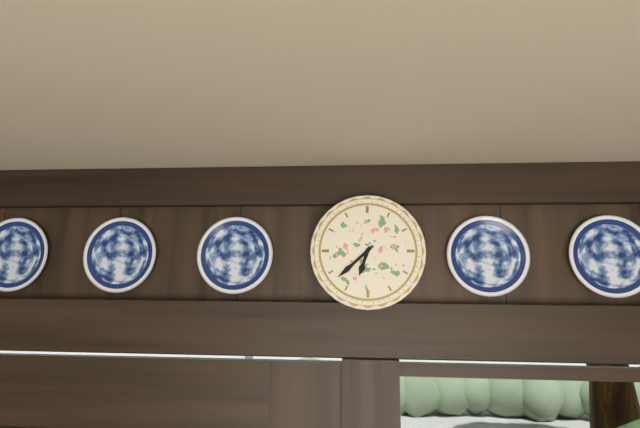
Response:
6.38
